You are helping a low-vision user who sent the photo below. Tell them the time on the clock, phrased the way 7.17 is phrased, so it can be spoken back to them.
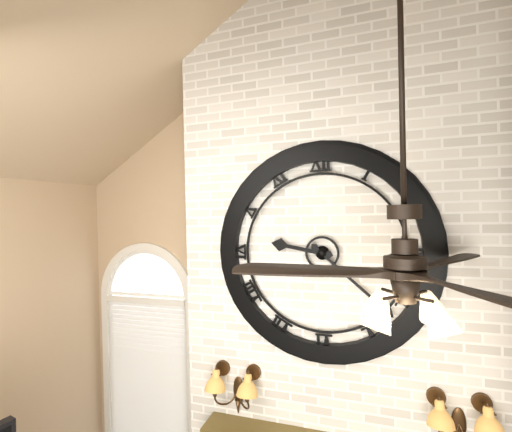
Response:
9.22
